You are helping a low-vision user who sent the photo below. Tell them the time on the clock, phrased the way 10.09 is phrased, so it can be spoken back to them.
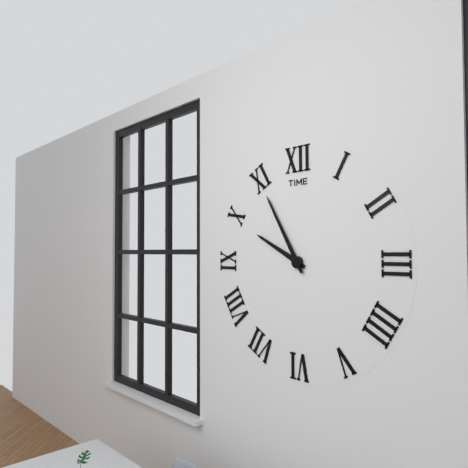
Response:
9.55
